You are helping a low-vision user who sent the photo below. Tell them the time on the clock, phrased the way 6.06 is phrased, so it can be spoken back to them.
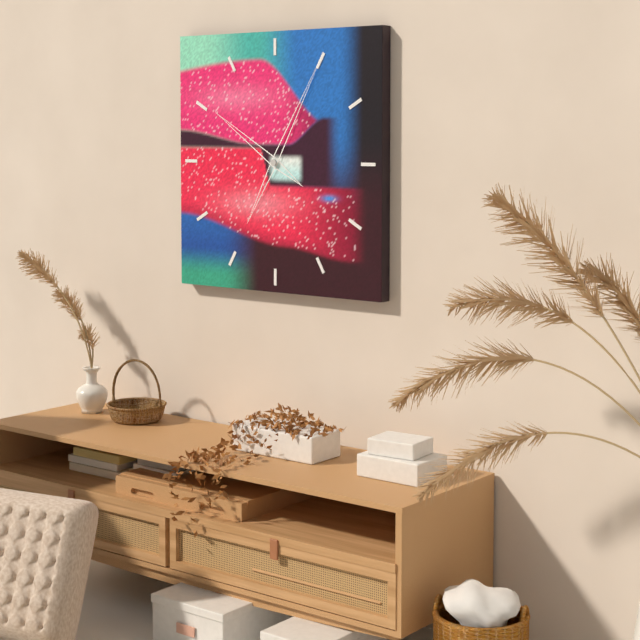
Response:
10.05
